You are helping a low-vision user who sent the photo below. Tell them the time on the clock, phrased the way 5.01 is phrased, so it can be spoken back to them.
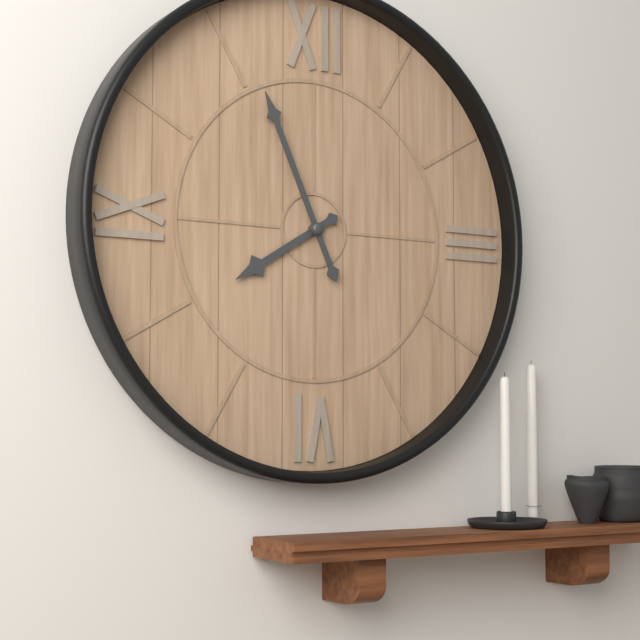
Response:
7.56
